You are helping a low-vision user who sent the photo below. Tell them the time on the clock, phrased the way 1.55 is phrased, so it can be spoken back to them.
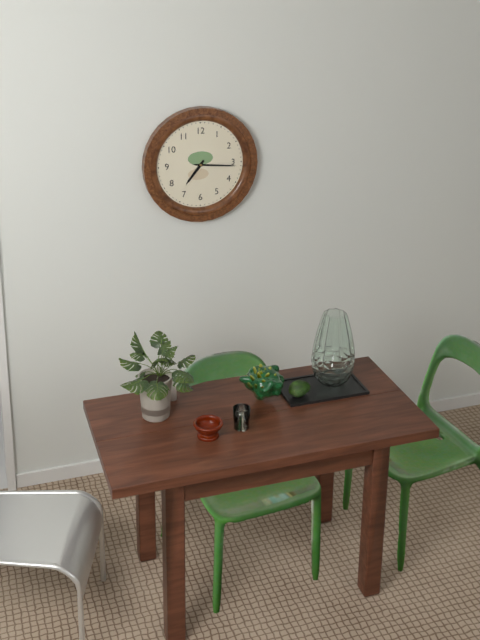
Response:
7.16
